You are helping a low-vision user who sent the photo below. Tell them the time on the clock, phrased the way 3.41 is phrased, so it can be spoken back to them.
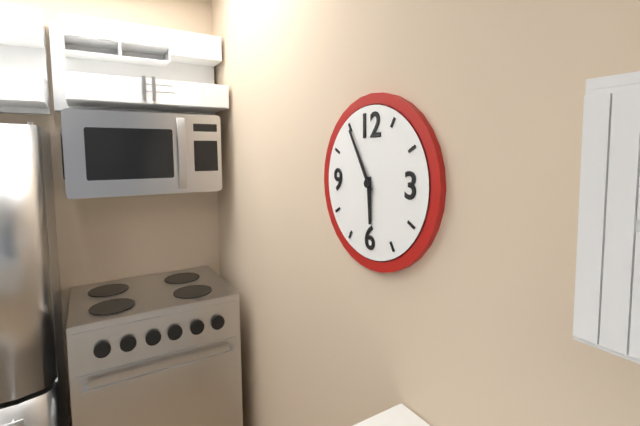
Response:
5.55
